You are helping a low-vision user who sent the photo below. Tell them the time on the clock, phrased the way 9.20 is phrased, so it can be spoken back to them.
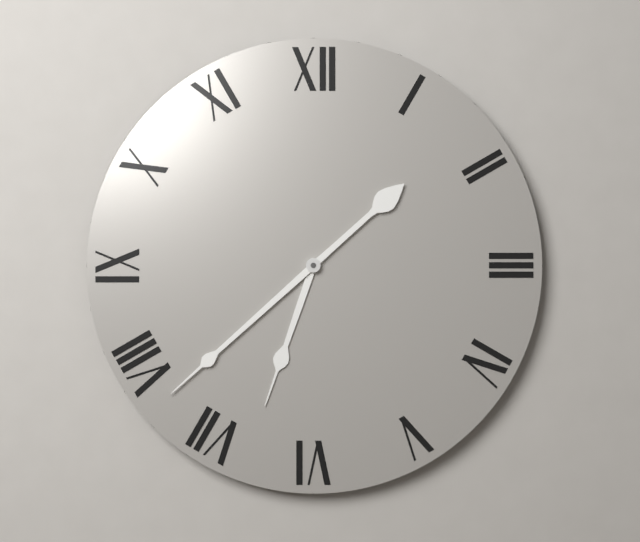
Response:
6.38
